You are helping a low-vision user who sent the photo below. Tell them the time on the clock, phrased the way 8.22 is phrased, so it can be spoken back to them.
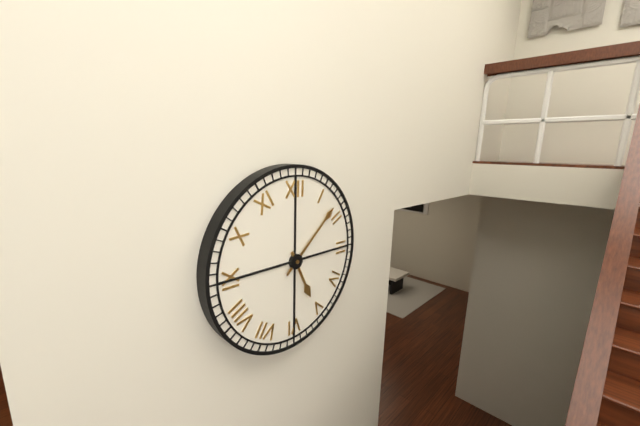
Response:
5.08
